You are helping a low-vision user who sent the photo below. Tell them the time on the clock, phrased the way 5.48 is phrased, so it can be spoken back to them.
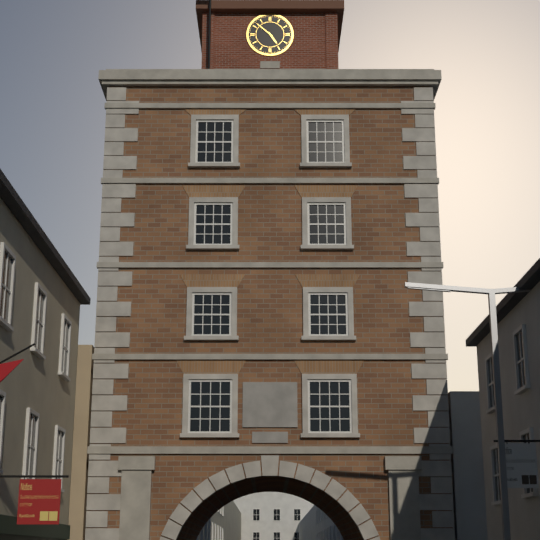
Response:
4.52
